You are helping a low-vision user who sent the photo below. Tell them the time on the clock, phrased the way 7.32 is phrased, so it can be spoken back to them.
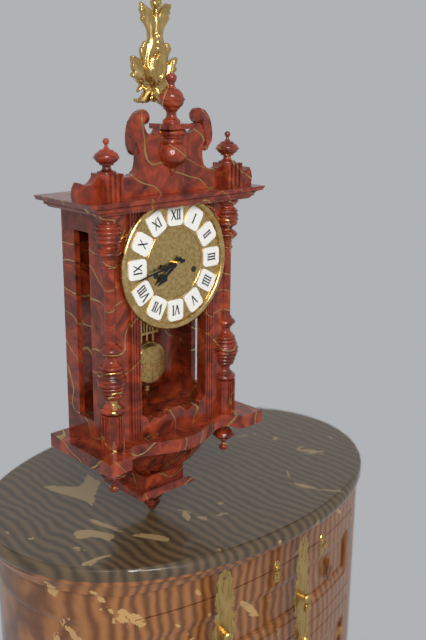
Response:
7.43
